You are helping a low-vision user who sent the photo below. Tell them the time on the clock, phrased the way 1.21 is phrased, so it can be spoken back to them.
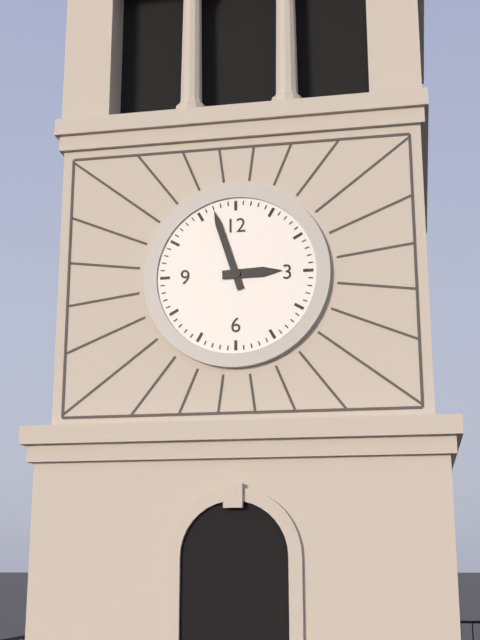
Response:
2.57
